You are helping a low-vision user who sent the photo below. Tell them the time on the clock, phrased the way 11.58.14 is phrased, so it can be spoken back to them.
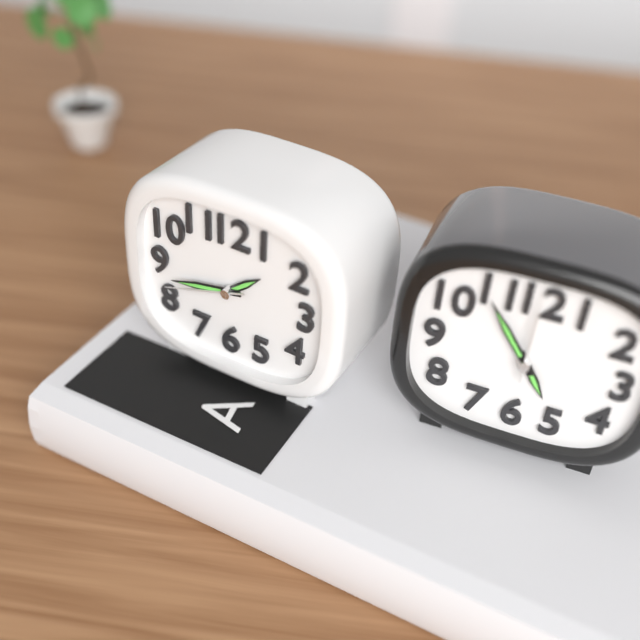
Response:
1.43.42
